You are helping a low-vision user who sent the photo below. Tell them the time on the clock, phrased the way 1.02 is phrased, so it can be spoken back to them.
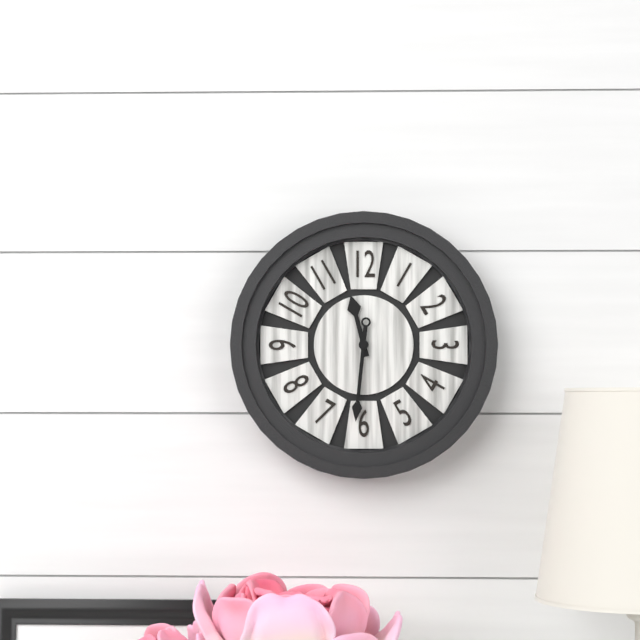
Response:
11.31
